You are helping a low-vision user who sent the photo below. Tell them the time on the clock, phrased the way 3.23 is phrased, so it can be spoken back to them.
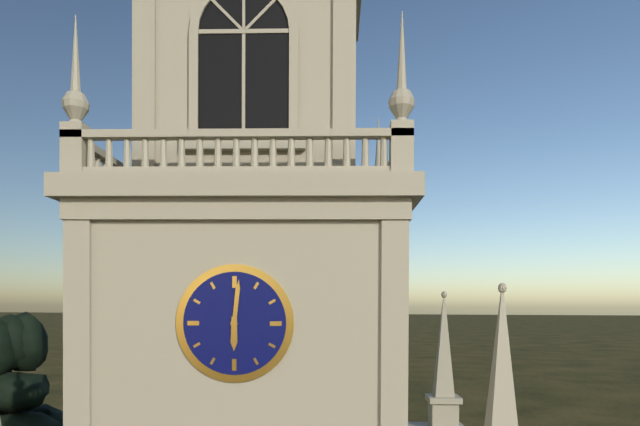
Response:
6.01
